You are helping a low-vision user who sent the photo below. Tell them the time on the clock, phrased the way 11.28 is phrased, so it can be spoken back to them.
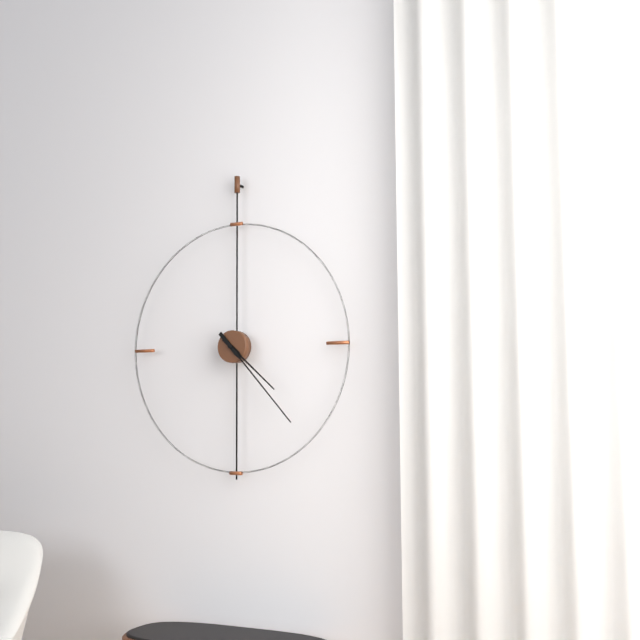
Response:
4.23
